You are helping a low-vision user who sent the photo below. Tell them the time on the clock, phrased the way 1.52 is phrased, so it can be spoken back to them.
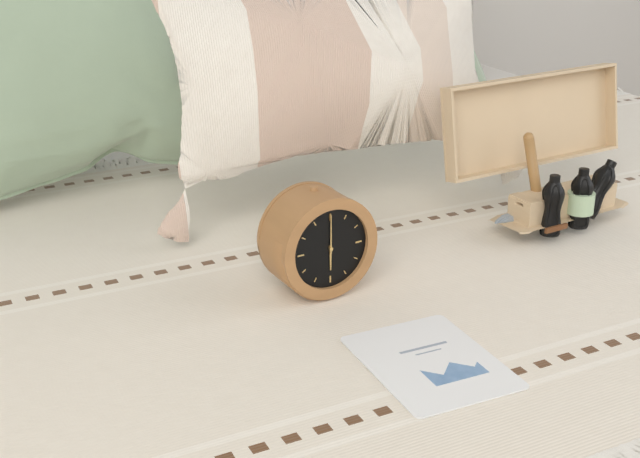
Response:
6.00
